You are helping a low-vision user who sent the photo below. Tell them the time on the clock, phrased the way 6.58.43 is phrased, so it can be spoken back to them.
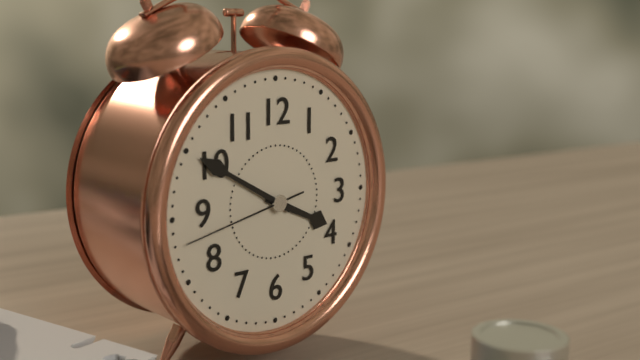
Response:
3.50.43
